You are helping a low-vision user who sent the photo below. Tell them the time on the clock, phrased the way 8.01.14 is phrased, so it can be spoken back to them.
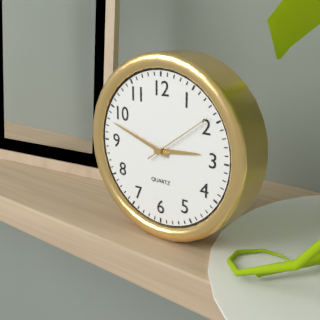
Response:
2.48.09
